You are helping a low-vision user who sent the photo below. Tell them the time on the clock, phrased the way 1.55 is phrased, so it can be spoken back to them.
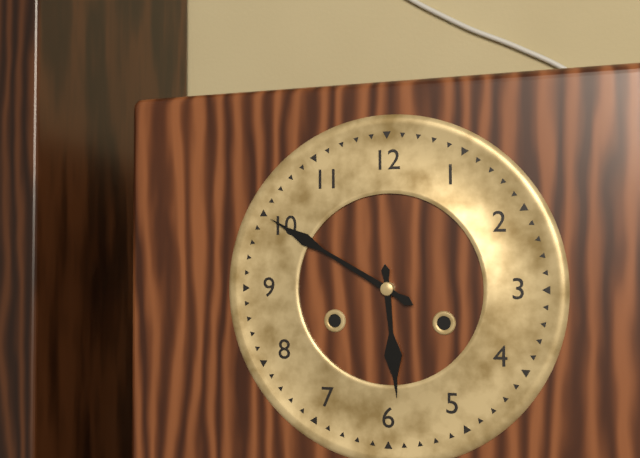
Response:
5.50
